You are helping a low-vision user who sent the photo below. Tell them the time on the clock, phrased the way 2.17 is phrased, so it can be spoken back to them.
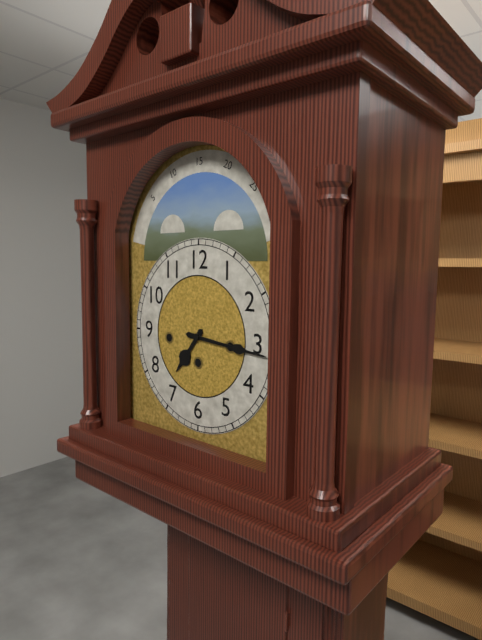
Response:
7.16
